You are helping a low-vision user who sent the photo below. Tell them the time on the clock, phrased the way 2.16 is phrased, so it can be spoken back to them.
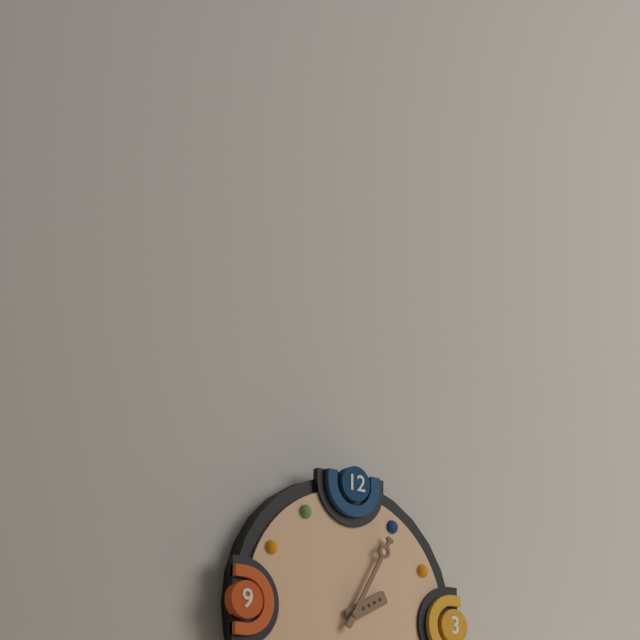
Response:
2.05
